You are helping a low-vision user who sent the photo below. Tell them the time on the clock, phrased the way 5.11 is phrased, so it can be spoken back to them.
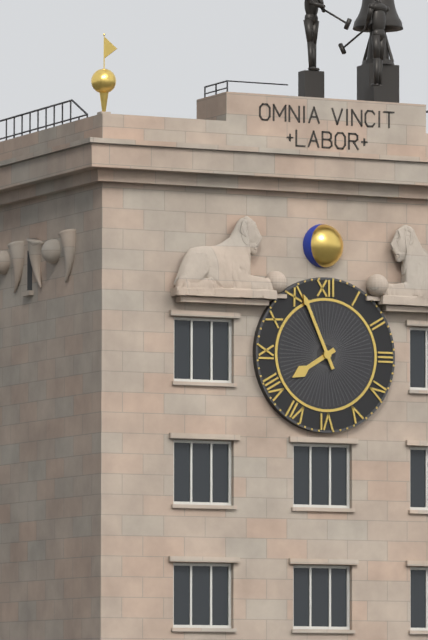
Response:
7.56
